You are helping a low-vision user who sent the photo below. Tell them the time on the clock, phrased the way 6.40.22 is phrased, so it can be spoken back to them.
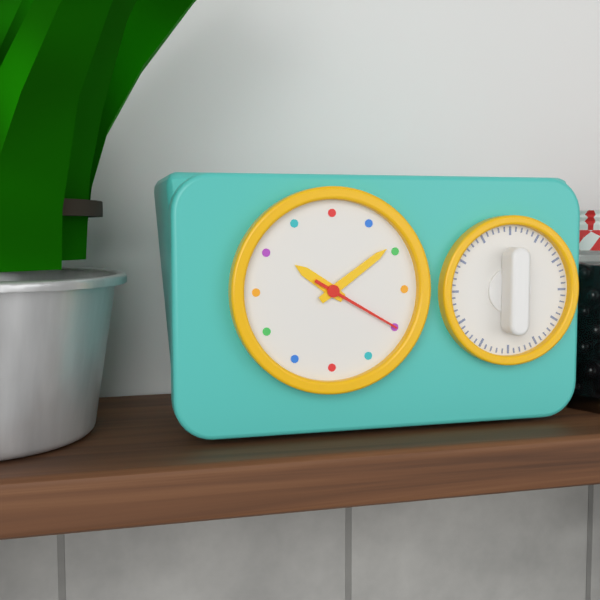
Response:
10.09.20
